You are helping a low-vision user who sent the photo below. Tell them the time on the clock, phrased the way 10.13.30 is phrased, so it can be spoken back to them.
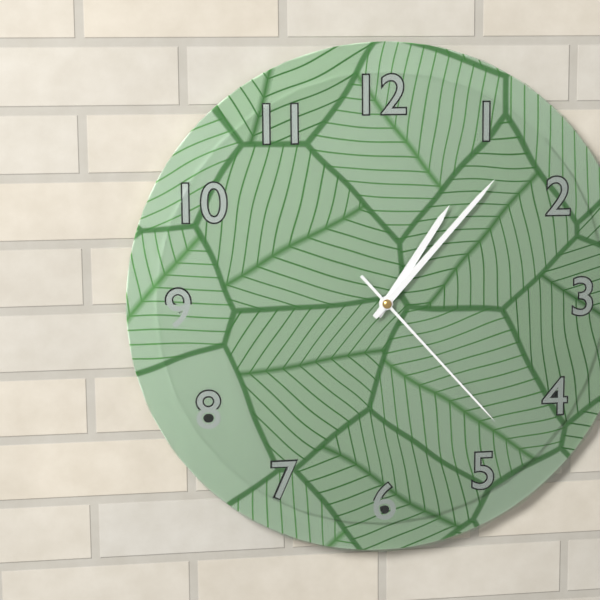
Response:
1.07.23
